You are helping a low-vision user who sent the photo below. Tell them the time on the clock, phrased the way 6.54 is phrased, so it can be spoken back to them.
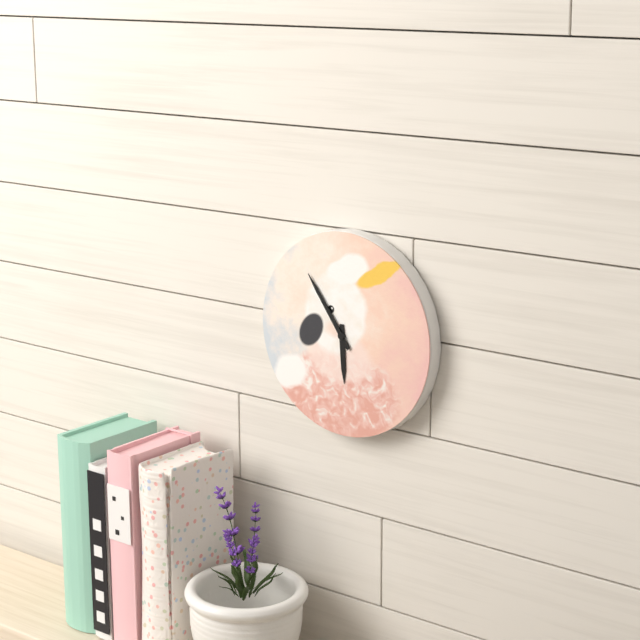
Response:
5.54
